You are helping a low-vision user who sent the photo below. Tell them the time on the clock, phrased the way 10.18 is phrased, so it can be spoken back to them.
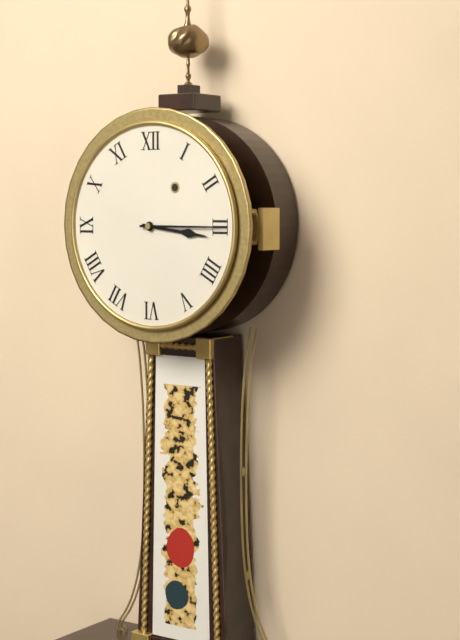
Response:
3.15
